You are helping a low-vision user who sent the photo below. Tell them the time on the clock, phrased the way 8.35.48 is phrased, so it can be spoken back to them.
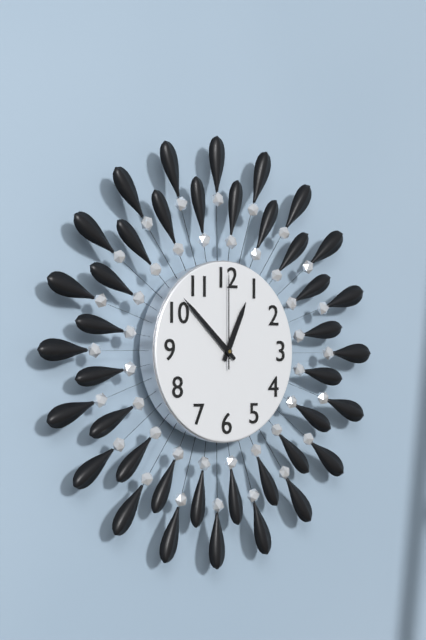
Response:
12.52.00
